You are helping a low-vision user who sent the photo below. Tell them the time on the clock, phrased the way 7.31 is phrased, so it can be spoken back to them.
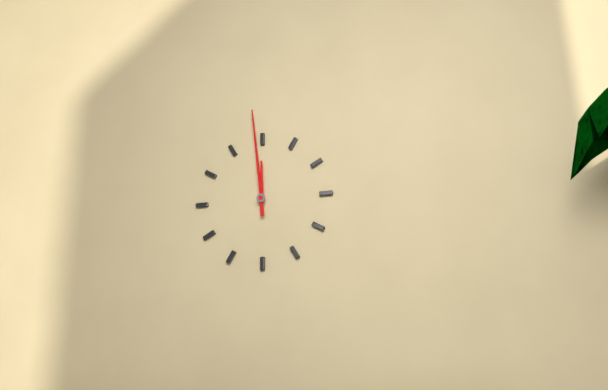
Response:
11.59
